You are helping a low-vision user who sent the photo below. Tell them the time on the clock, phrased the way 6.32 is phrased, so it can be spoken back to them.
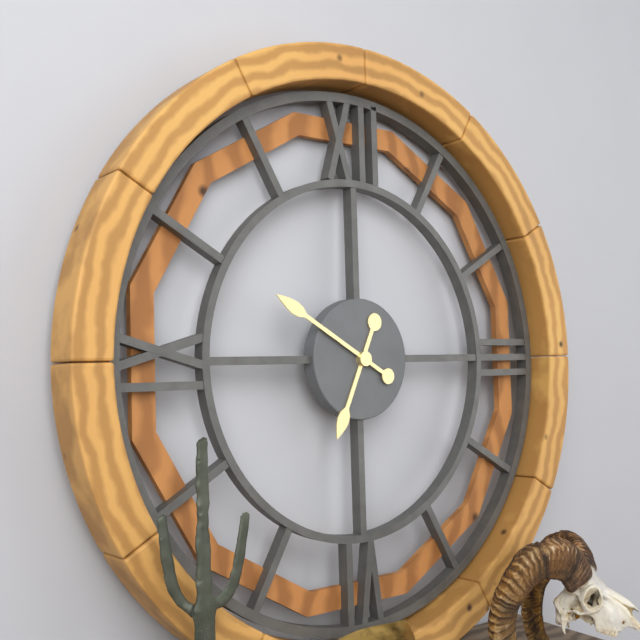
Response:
6.50
